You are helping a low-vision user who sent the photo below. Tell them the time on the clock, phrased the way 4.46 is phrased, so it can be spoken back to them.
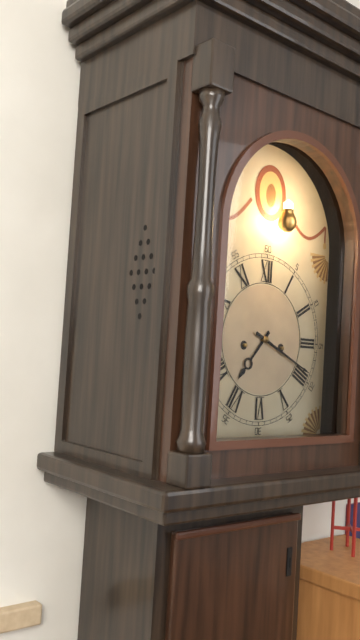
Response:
7.19
